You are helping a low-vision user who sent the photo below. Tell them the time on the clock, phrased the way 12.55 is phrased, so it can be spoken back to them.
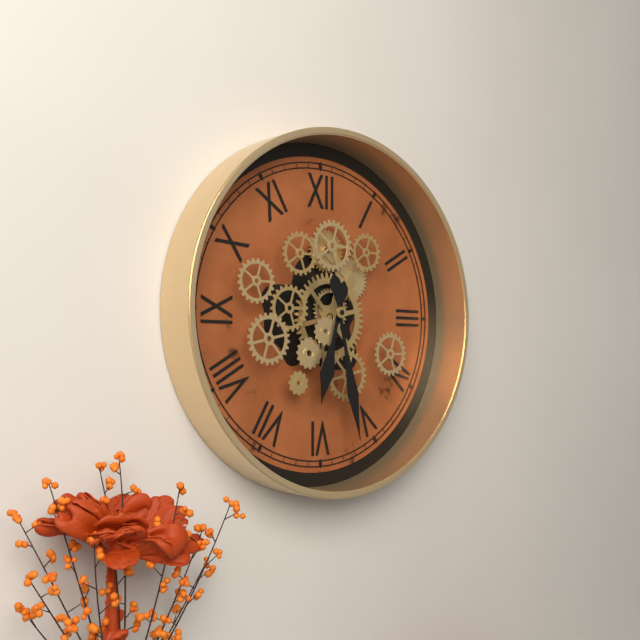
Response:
6.28
